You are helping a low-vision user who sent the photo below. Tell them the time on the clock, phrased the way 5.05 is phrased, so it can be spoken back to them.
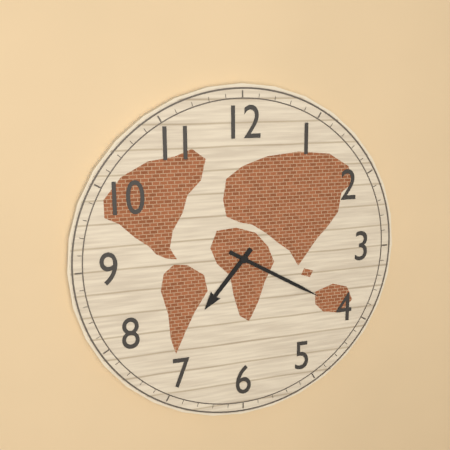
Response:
7.20
